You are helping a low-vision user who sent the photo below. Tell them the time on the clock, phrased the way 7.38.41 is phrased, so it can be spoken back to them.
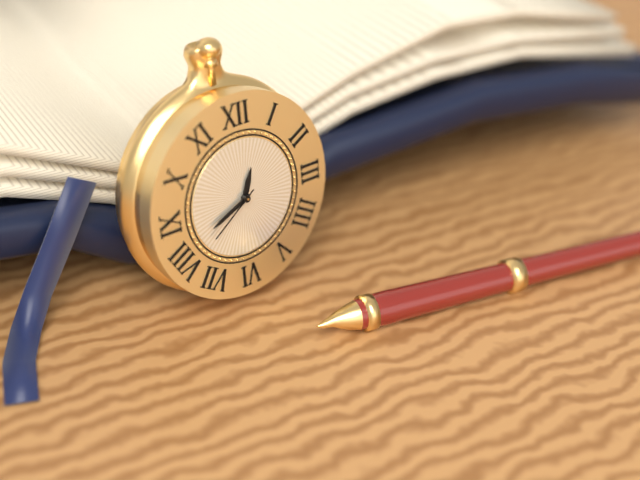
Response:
12.41.39
